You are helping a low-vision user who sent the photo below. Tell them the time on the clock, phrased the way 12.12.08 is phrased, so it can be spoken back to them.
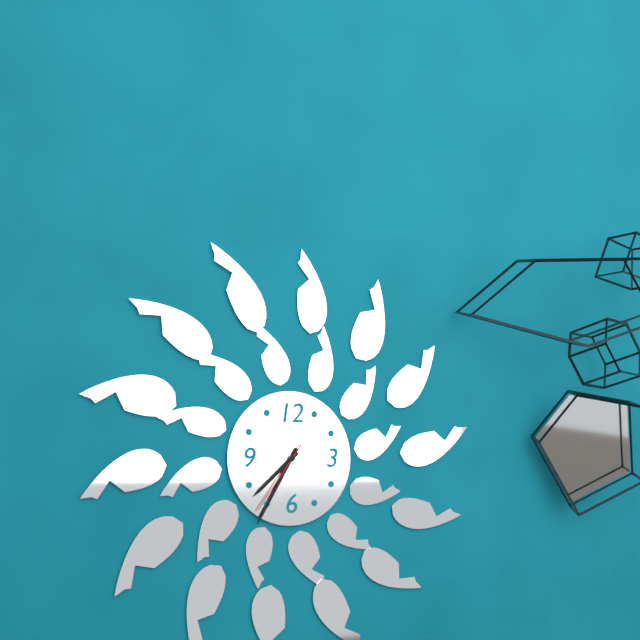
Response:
7.35.36
